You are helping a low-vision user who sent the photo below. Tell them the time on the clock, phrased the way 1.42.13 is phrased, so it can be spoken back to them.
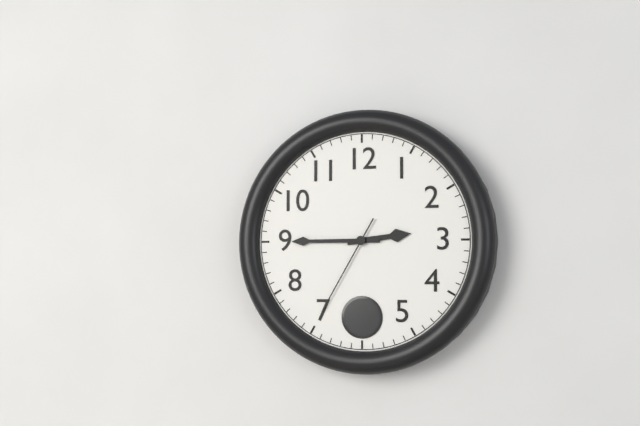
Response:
2.45.35
